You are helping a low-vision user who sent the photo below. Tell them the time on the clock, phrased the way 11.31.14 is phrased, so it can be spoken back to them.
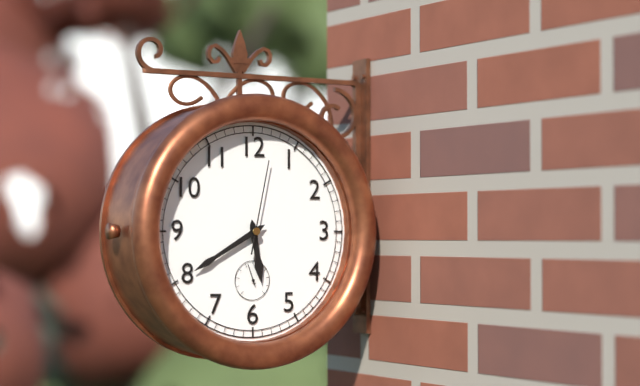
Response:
5.40.02
